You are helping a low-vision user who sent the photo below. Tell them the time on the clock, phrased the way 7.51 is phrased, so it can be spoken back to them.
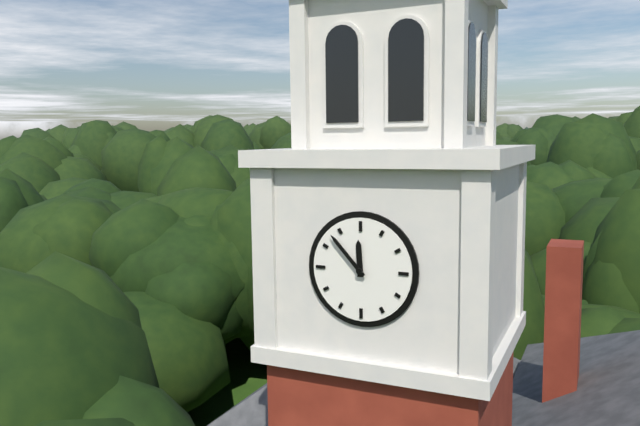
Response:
11.53
